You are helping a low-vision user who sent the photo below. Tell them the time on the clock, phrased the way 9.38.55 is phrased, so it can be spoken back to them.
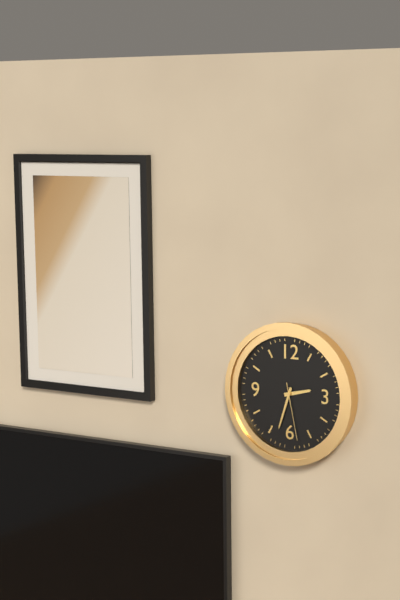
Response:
2.33.28
